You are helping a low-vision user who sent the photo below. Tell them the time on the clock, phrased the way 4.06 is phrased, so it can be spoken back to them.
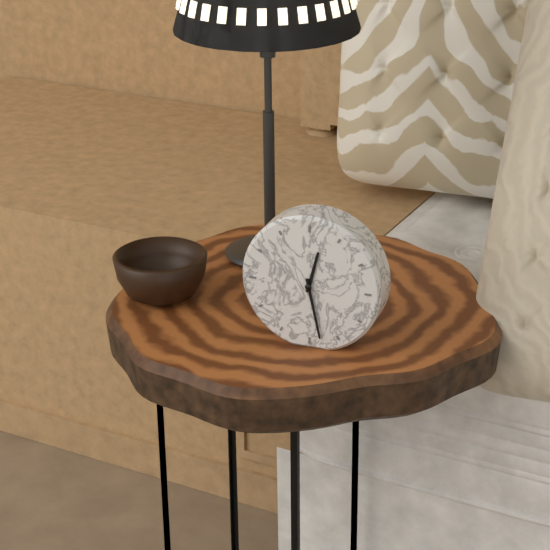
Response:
12.28
